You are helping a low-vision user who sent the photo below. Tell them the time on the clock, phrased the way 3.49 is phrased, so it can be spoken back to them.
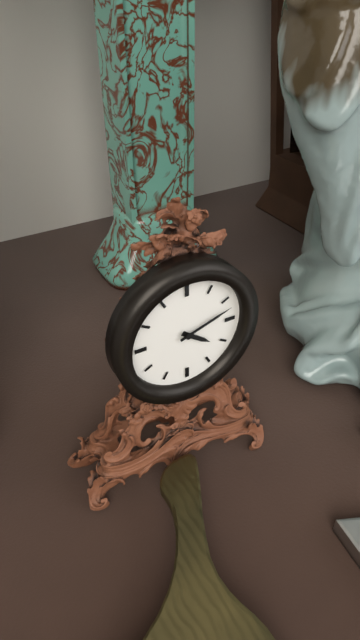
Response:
4.12
